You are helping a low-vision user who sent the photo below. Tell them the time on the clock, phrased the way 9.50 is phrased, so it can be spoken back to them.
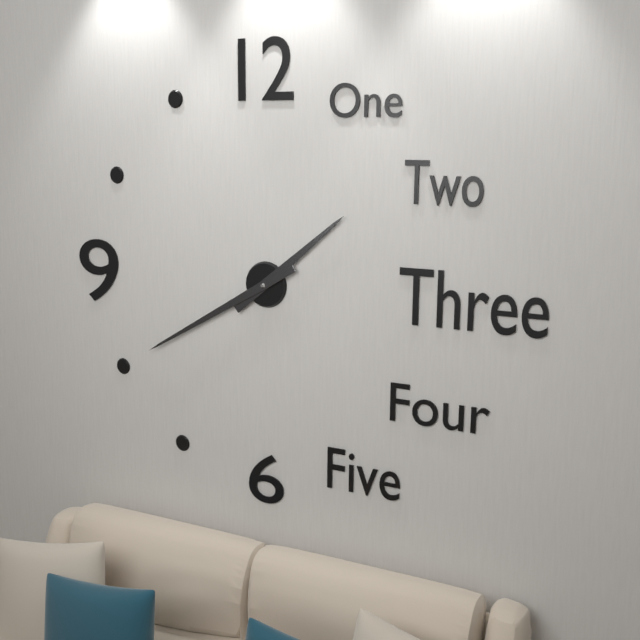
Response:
1.40
